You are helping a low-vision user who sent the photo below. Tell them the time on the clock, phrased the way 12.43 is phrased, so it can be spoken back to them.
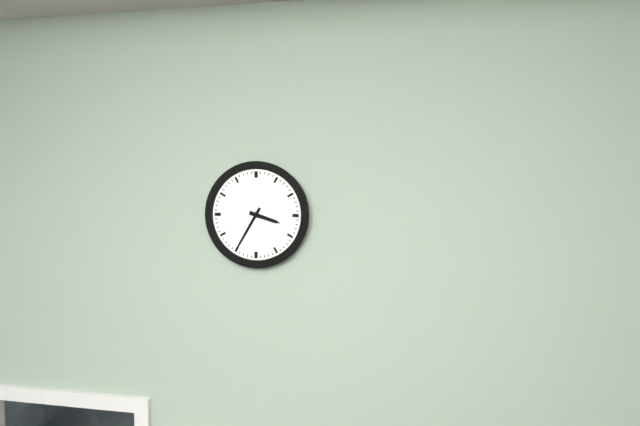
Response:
3.35
